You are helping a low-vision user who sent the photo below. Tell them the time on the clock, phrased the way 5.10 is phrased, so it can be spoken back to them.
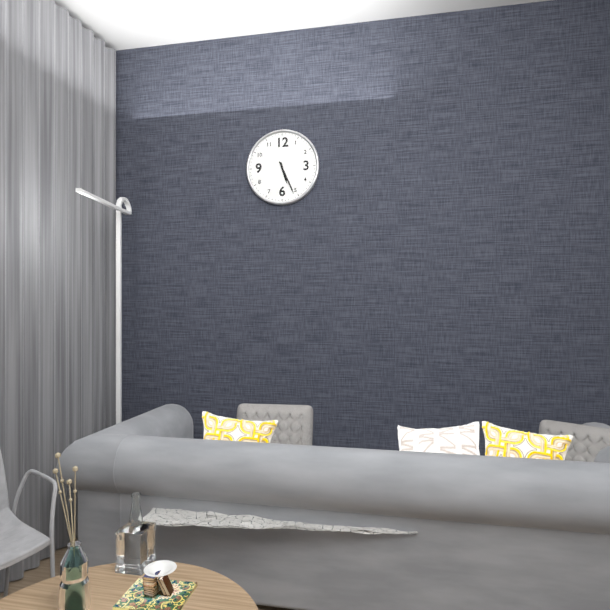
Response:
5.26
